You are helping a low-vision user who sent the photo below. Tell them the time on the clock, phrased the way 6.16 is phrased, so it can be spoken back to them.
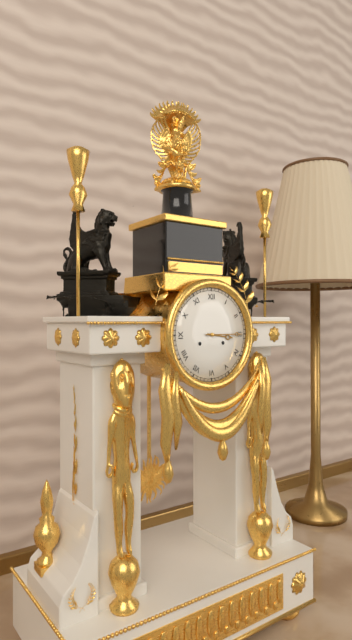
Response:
3.15
